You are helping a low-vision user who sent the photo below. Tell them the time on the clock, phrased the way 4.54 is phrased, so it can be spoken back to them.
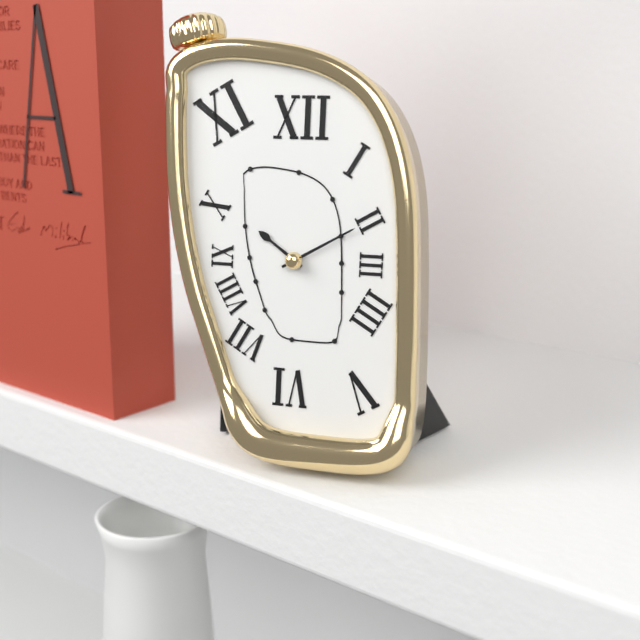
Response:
10.10
